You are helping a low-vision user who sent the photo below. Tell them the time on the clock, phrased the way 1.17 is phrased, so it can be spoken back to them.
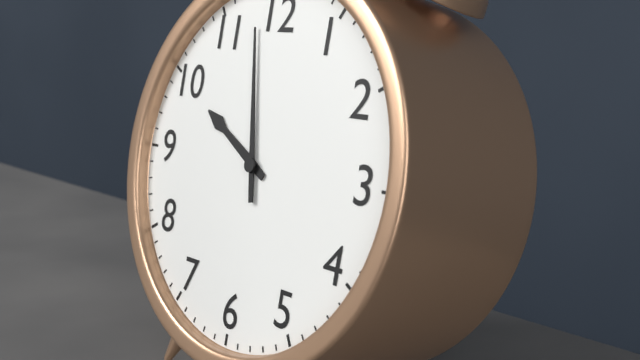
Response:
9.58
